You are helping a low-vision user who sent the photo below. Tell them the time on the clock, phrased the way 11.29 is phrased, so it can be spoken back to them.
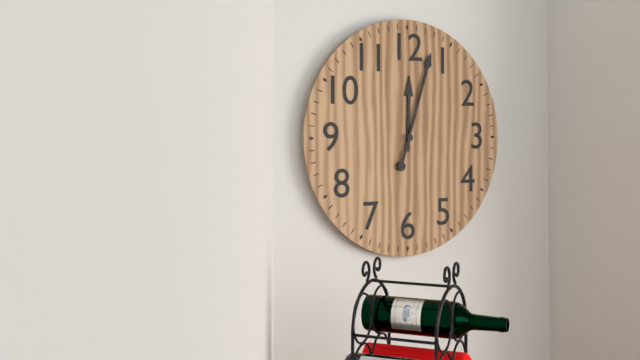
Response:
12.03
